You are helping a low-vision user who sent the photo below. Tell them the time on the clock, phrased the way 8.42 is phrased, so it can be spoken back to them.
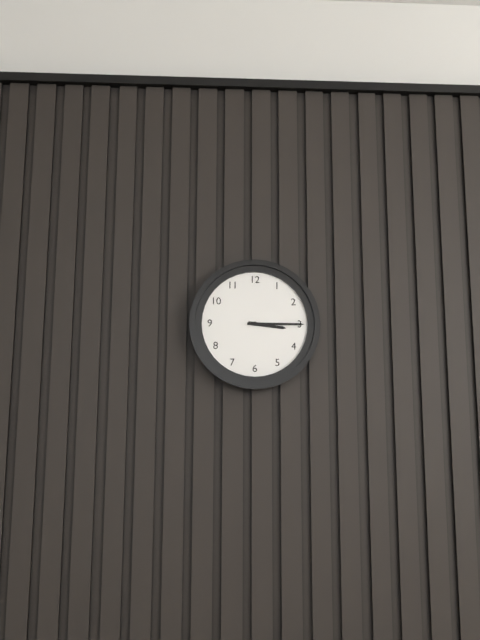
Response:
3.15
